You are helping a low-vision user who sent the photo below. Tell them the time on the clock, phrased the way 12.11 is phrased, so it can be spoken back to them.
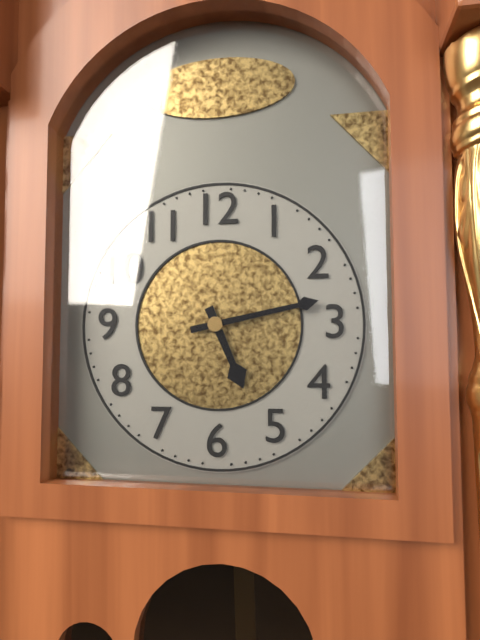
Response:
5.13
